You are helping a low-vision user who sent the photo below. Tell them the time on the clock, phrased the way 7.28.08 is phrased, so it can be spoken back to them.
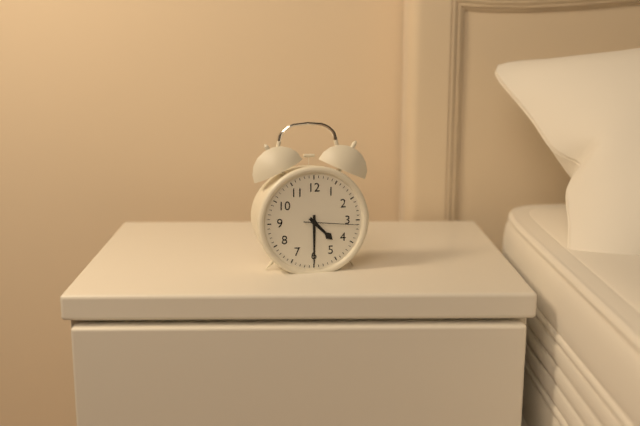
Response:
4.30.16
